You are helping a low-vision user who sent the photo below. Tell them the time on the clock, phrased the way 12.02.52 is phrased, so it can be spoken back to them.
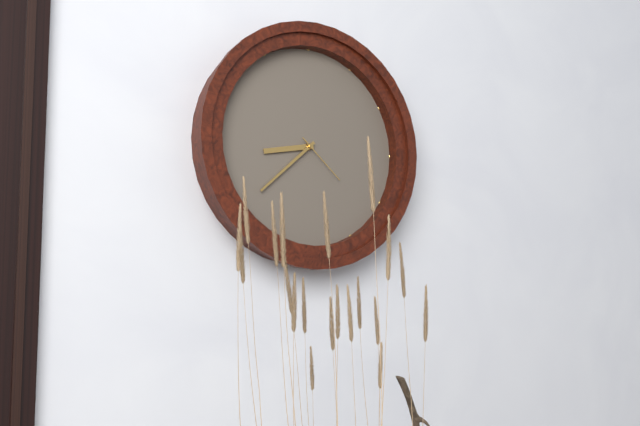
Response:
8.38.22
